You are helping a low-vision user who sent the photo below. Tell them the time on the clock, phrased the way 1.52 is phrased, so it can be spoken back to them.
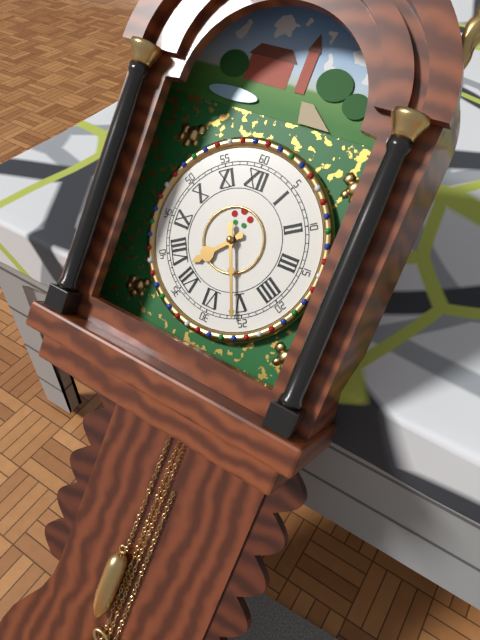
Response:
7.26
